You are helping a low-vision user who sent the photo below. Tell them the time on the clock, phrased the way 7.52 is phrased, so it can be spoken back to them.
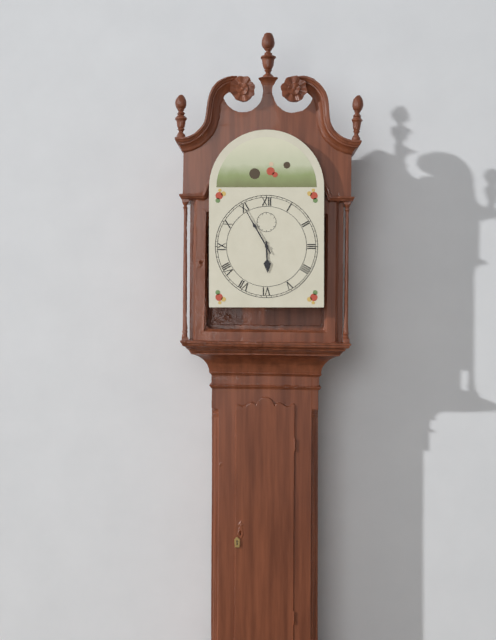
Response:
5.55
